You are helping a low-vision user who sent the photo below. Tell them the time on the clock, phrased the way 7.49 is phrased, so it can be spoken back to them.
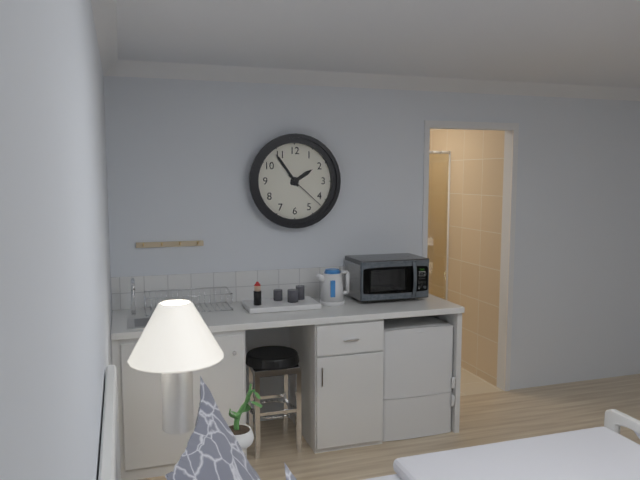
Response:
1.54
